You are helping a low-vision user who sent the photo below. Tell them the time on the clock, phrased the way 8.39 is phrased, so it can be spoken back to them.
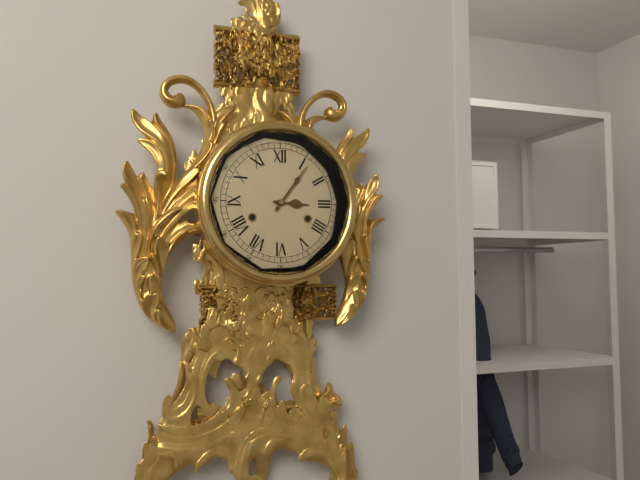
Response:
3.06
